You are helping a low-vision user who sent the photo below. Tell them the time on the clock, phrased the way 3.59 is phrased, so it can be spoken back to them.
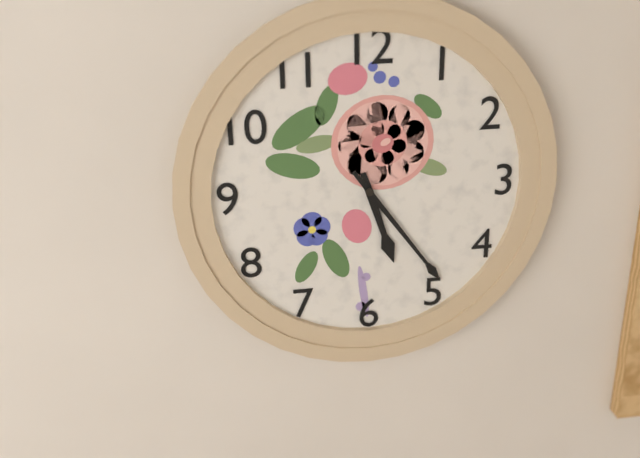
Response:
5.24
